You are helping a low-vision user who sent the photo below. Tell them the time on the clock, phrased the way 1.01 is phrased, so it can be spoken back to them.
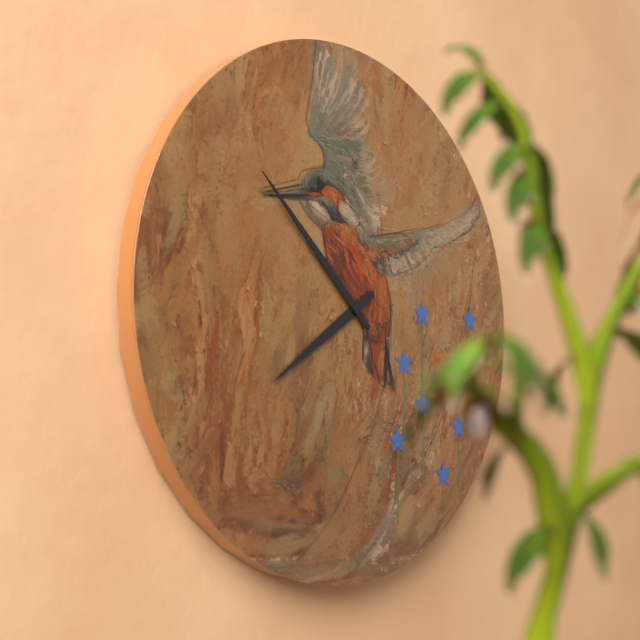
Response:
7.52
